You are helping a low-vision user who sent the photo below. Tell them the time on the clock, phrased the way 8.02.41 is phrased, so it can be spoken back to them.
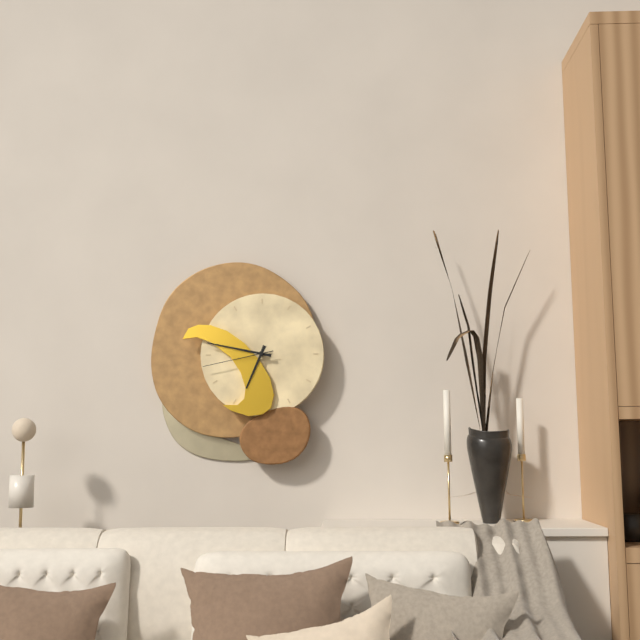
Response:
6.47.43
